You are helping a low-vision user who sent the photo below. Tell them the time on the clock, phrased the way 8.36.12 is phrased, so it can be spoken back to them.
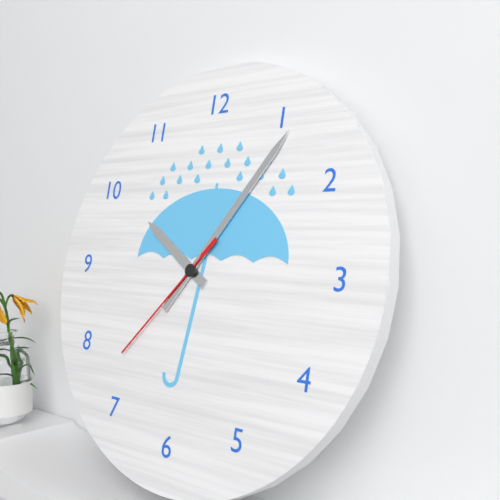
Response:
10.06.37
